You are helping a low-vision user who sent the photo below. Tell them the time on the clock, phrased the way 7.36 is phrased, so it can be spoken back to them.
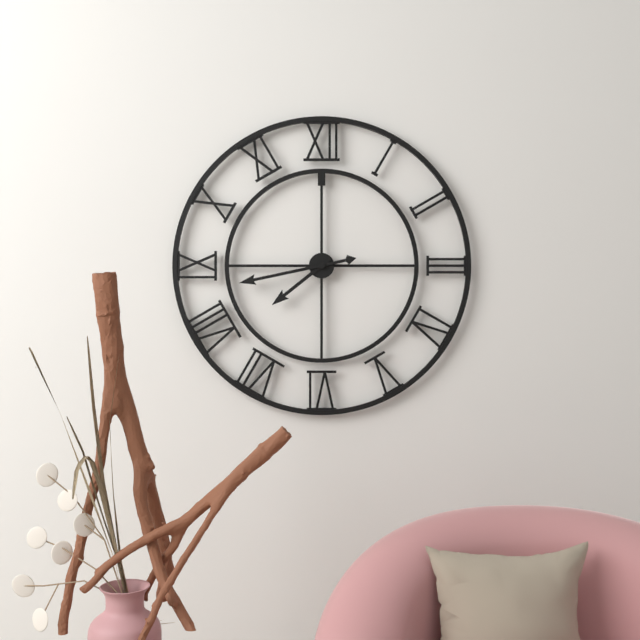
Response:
7.43
